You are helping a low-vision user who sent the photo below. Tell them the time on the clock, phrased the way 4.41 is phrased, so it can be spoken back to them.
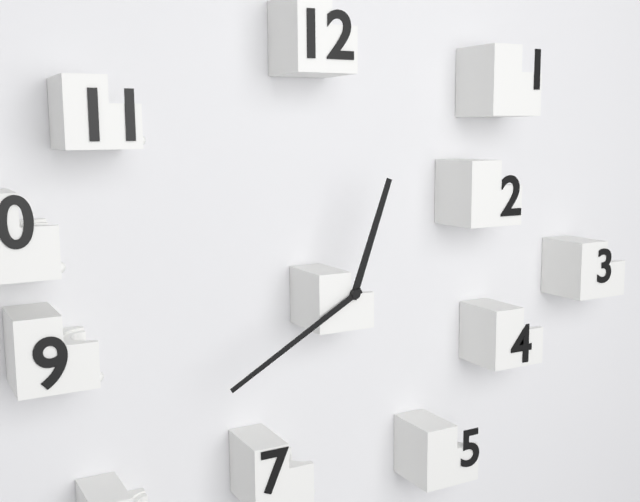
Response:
12.40
